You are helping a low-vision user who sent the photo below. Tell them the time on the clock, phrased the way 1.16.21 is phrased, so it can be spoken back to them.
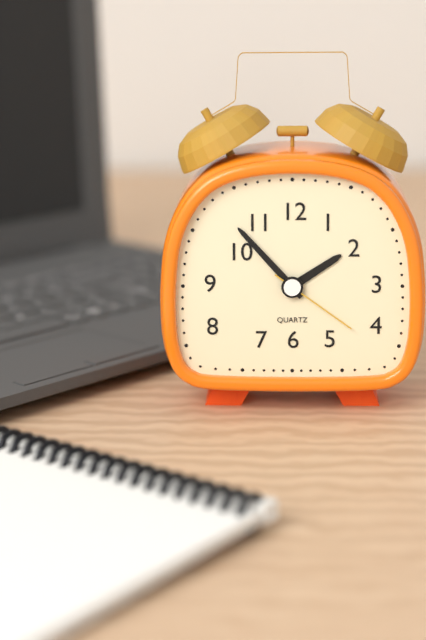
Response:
1.53.21
